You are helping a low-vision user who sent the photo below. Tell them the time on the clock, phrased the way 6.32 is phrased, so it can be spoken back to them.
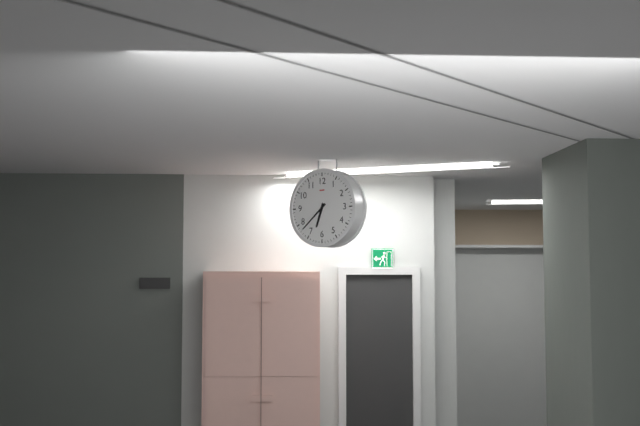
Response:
6.38
